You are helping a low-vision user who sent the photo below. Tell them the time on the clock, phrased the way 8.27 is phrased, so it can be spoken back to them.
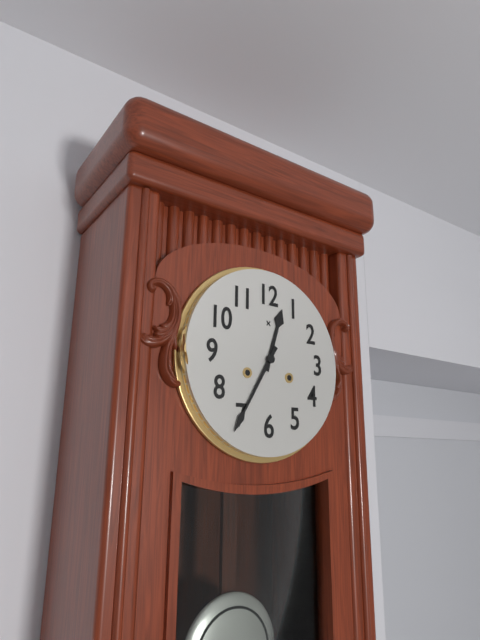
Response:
12.35
